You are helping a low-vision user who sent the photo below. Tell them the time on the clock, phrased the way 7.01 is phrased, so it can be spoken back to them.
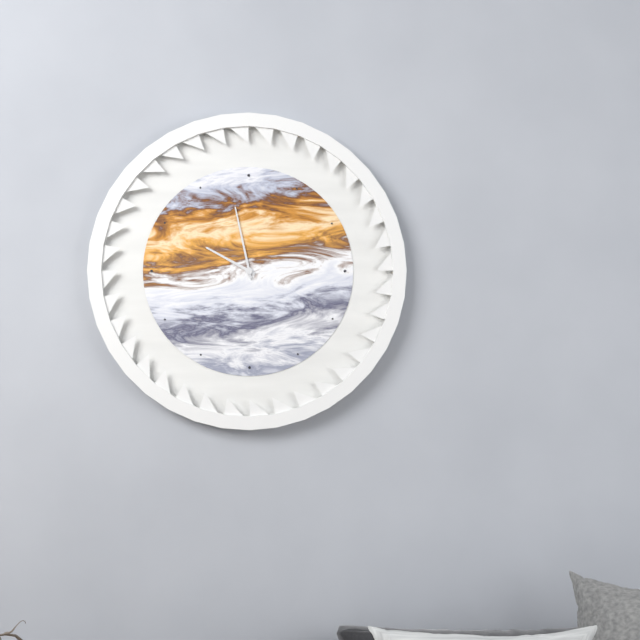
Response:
9.58
